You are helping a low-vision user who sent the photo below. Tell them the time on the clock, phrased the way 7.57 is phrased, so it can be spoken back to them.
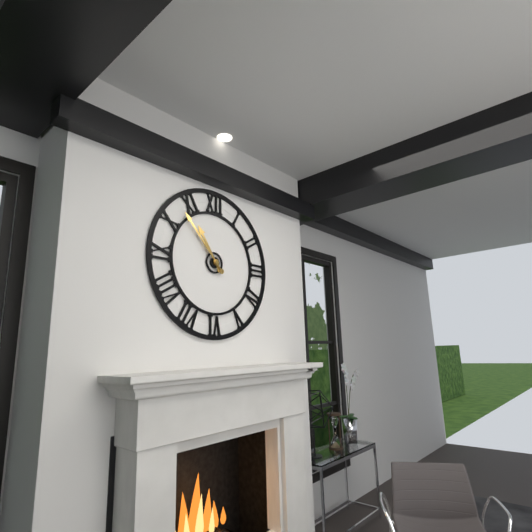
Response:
10.53
